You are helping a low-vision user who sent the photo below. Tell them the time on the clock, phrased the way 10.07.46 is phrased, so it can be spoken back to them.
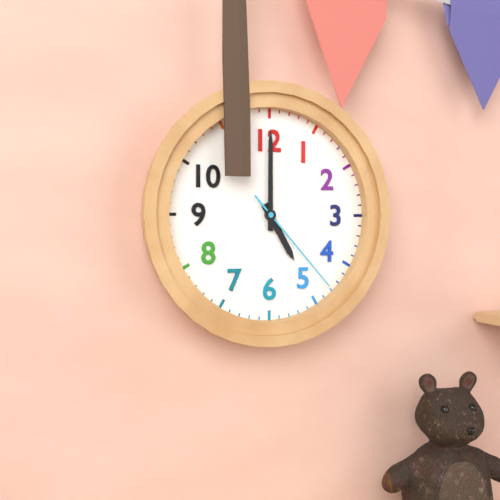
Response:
5.00.23
